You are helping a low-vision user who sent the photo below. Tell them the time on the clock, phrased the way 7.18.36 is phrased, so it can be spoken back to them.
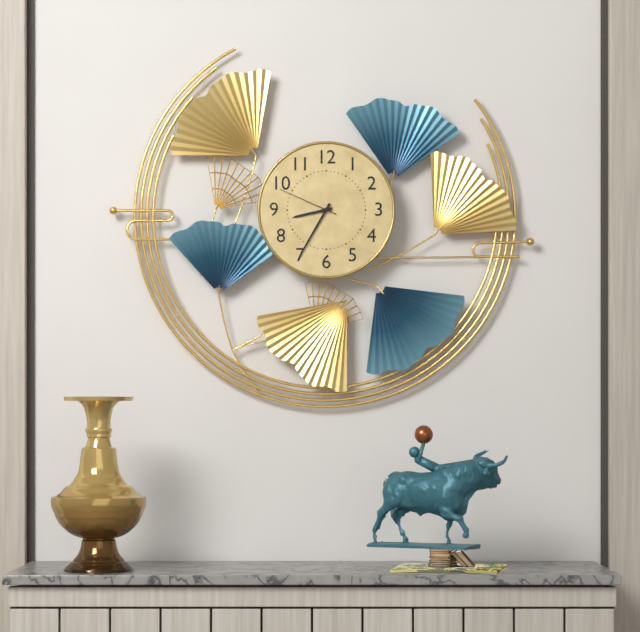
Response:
8.35.49
